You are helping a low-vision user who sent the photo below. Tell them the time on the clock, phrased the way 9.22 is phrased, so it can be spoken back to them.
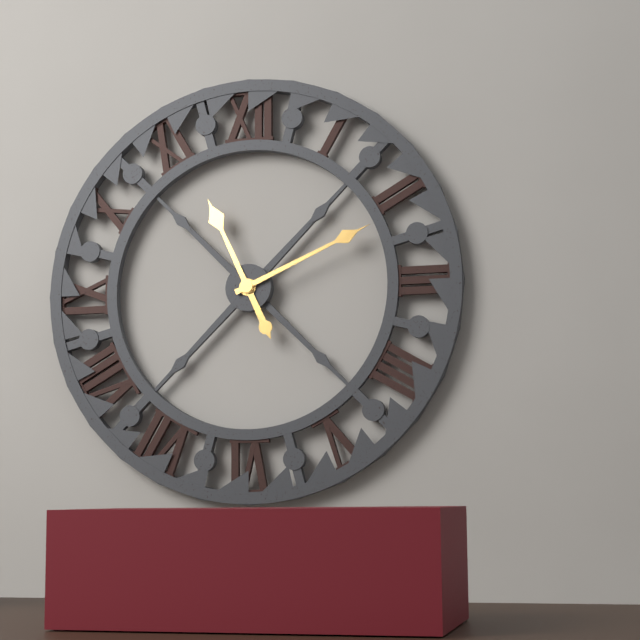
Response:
11.11
